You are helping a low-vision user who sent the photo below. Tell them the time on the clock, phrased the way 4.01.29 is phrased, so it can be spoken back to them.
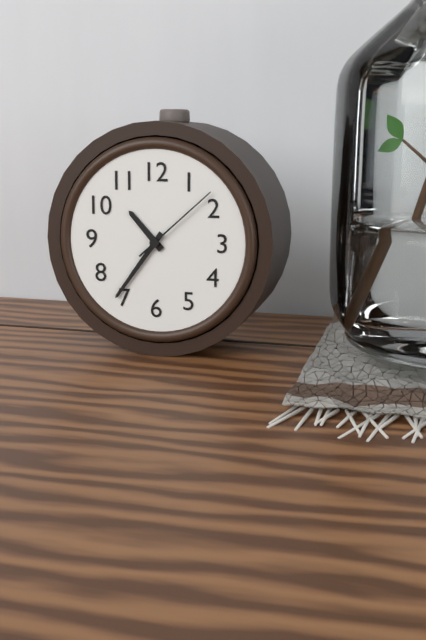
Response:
10.36.08
